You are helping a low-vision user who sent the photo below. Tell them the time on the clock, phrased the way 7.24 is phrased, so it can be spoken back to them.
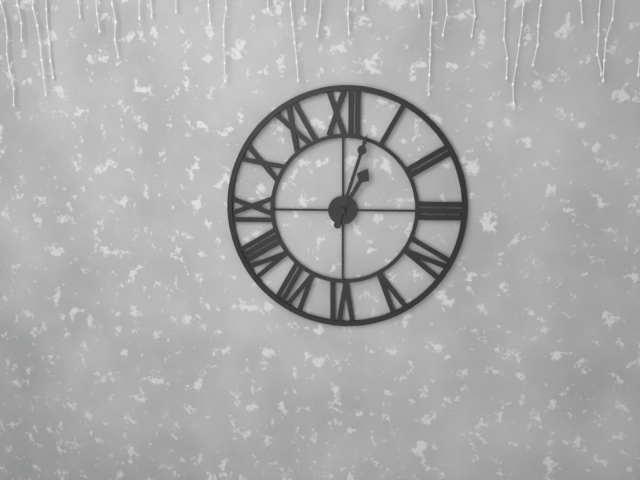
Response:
1.03
